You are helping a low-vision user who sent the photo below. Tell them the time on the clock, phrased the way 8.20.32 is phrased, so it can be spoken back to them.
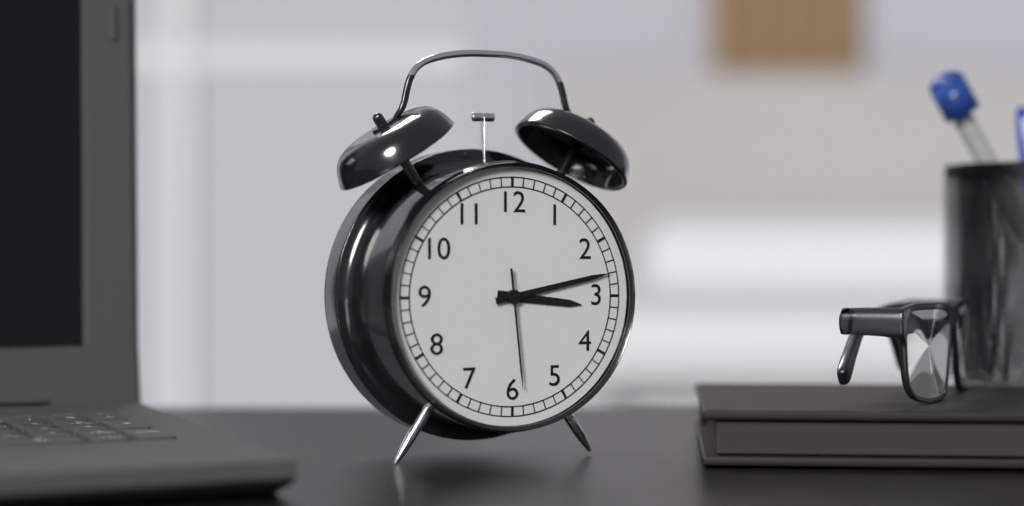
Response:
3.13.29
